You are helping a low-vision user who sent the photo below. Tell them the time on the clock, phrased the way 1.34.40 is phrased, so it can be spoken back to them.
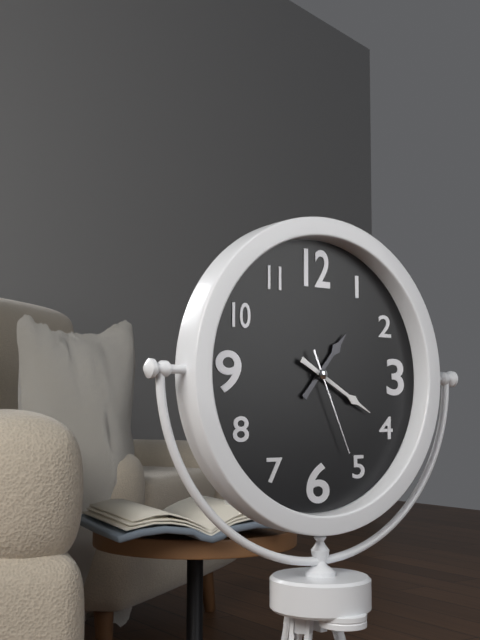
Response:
1.20.26
